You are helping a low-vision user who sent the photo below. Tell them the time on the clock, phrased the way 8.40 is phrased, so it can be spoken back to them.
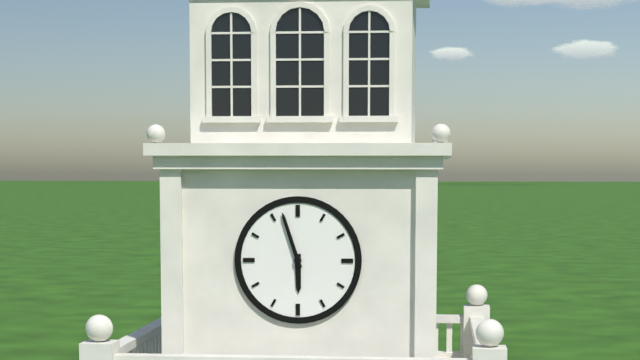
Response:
5.57
